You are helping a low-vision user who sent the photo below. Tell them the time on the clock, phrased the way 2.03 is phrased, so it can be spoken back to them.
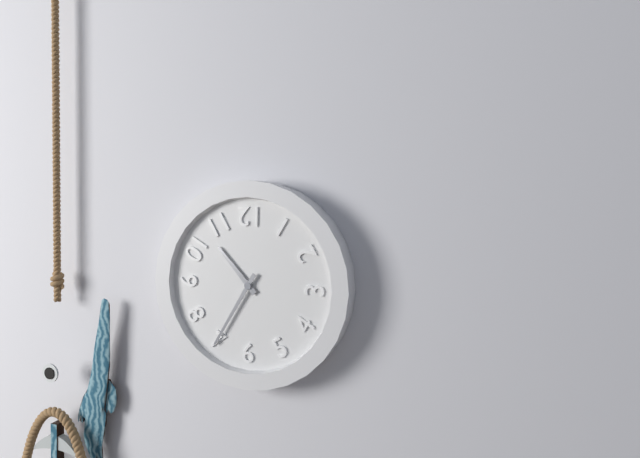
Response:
10.35
